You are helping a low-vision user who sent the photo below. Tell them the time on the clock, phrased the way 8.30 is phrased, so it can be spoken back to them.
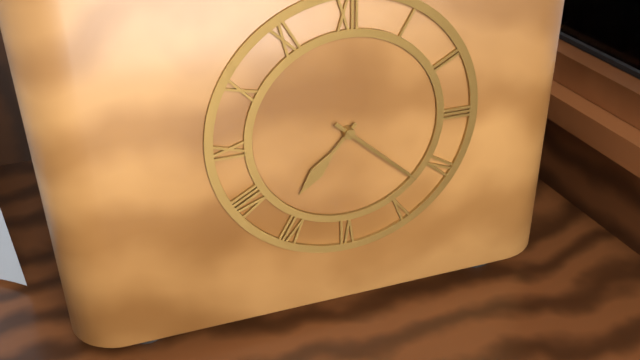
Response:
7.22
